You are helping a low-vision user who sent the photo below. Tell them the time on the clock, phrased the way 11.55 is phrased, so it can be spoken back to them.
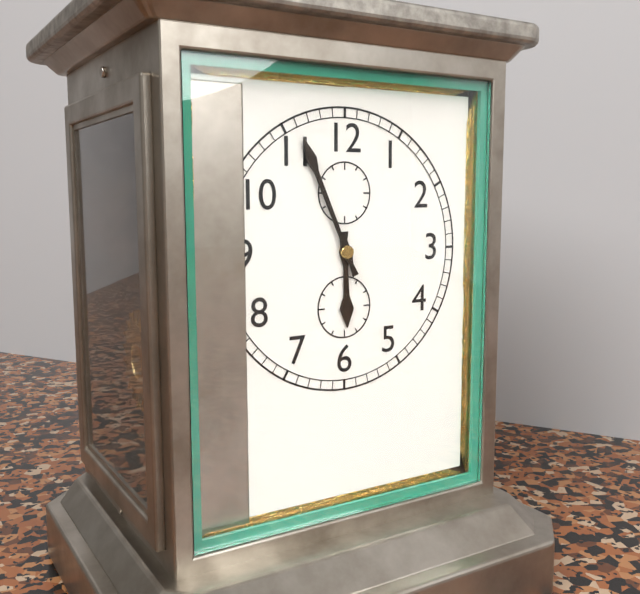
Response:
5.56
